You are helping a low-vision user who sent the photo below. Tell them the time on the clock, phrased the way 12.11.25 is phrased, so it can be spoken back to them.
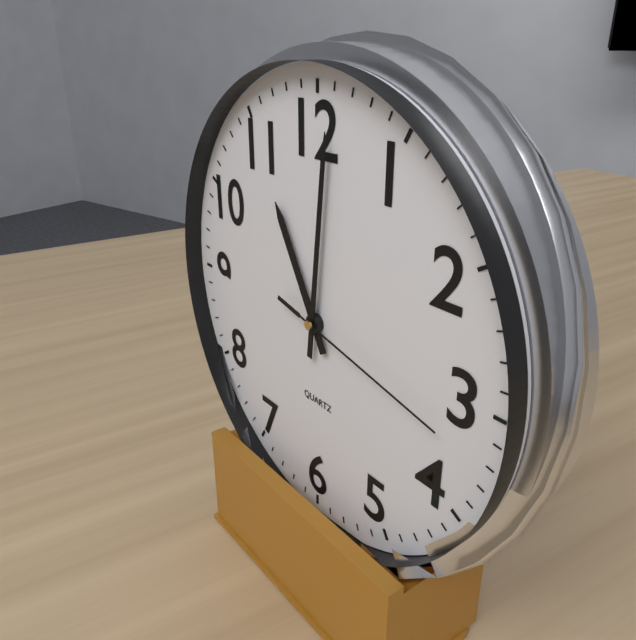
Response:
11.01.17
